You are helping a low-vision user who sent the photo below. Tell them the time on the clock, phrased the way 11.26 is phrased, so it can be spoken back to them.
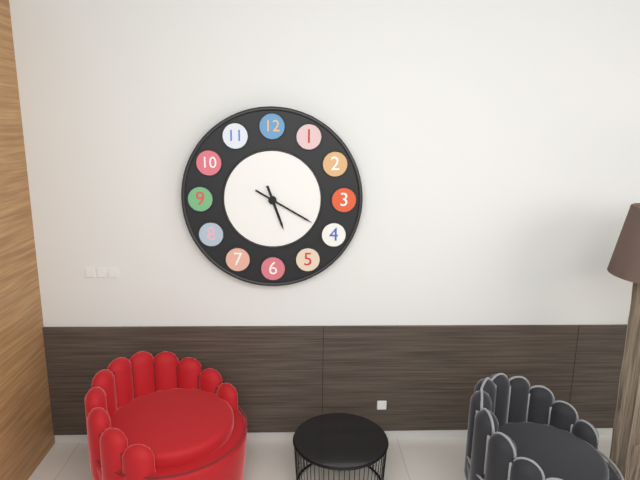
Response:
5.20
